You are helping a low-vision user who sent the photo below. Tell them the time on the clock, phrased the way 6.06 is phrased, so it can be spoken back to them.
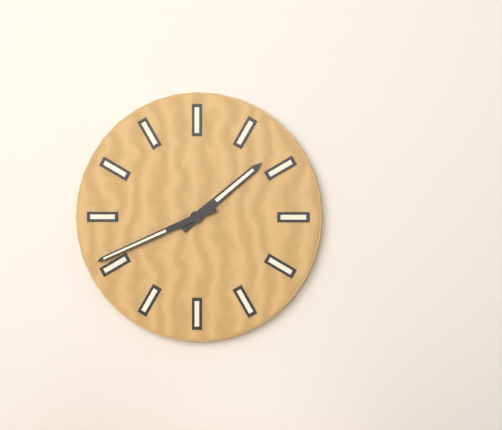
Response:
1.41
